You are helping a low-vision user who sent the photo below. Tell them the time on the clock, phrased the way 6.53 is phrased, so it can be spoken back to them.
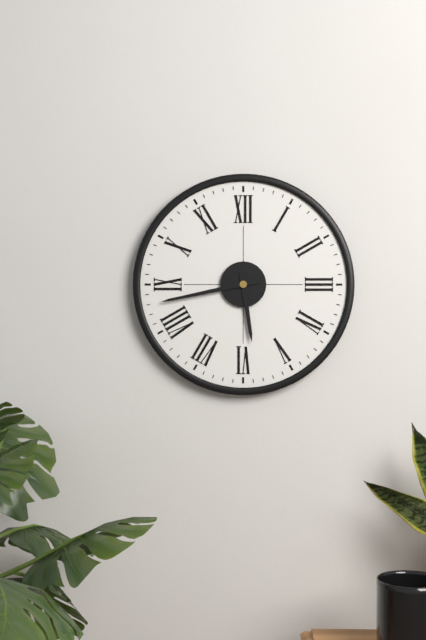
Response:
5.43
